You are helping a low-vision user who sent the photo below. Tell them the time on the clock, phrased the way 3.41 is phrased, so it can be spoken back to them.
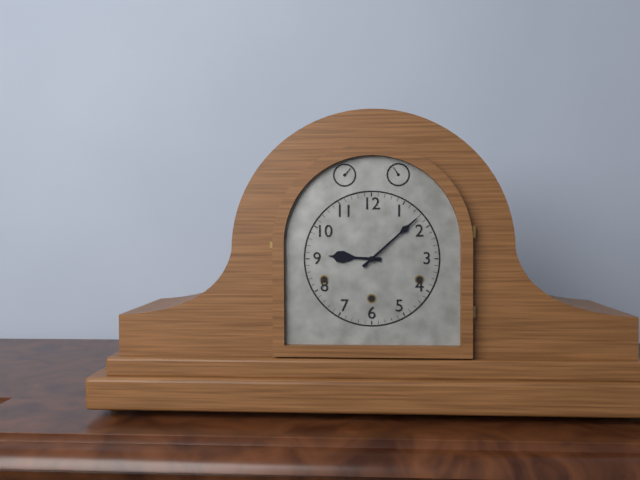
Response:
9.08
